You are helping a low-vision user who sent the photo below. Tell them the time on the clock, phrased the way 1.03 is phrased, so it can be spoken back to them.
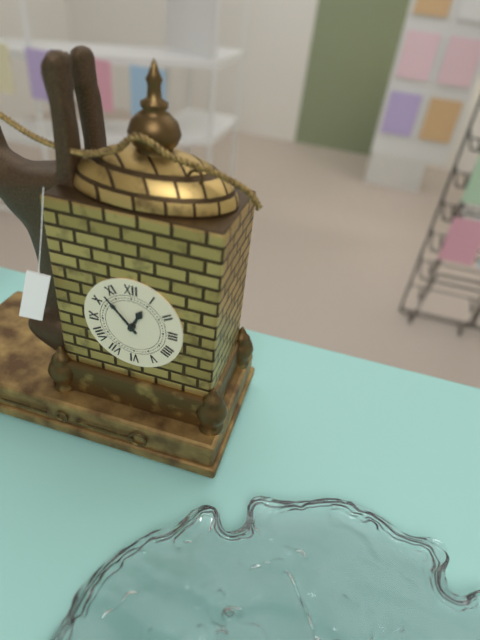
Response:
12.53
